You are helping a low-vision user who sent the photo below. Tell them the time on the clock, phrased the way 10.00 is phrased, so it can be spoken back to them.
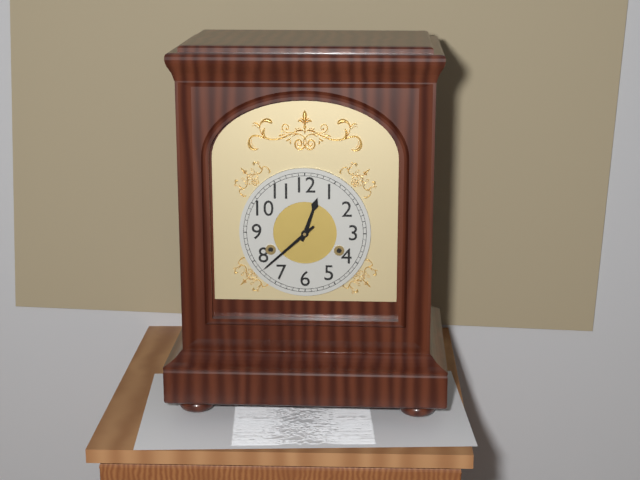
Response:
12.38
